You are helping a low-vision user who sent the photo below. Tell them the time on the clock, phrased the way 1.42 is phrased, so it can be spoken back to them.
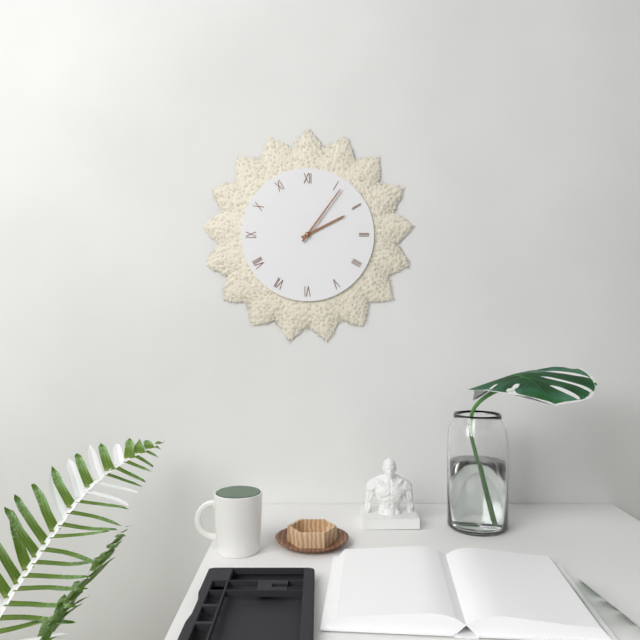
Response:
2.06
